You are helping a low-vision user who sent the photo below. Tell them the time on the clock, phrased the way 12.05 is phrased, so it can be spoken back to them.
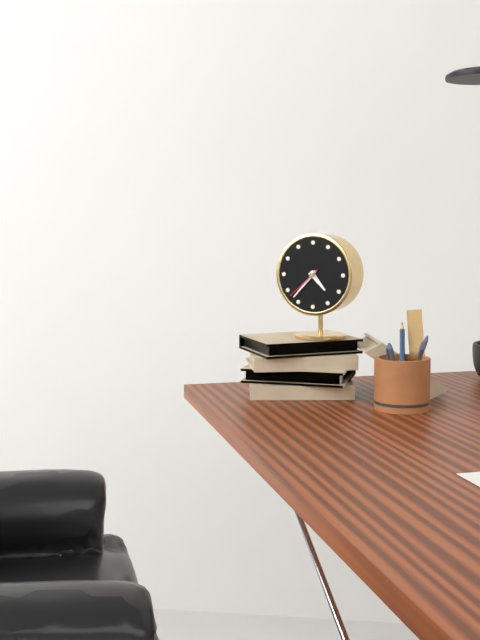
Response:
4.37
